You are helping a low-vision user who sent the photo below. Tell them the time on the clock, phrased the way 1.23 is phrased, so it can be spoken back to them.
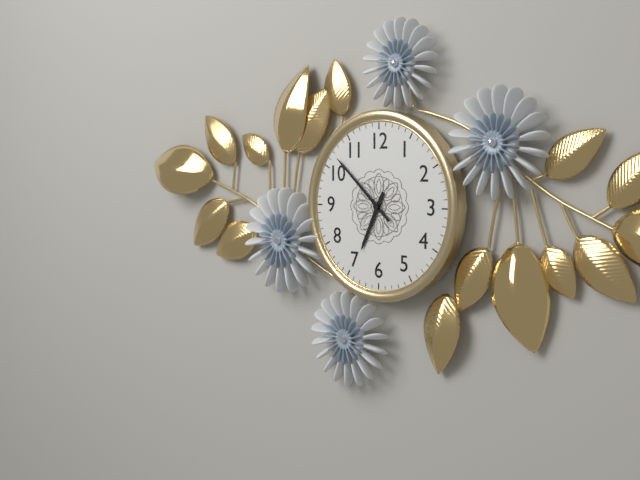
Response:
6.52
